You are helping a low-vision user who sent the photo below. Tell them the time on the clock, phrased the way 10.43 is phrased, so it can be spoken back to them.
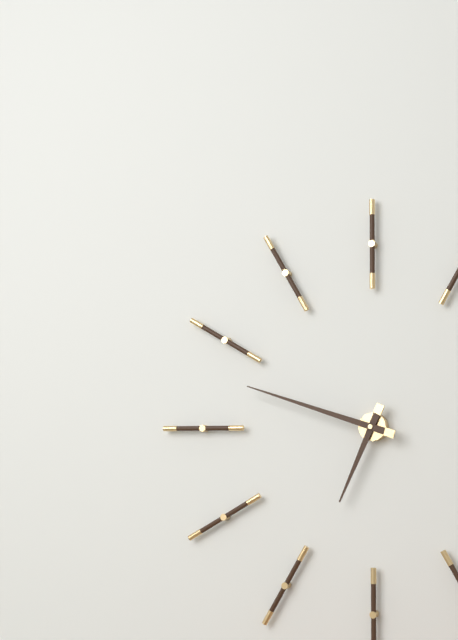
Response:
6.48
